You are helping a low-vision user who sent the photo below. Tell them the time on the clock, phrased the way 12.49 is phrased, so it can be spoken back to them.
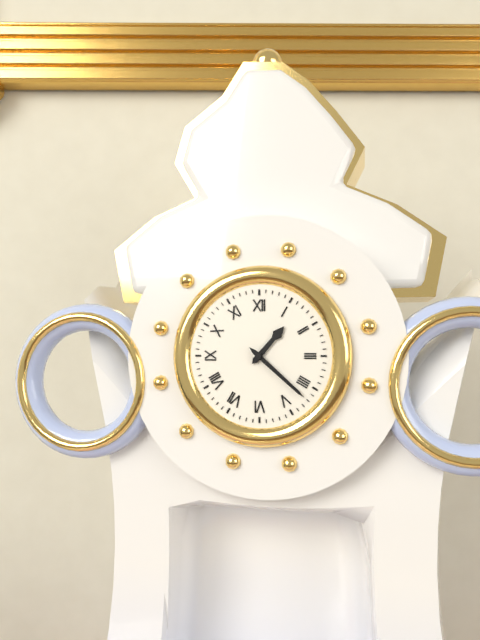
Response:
1.22
